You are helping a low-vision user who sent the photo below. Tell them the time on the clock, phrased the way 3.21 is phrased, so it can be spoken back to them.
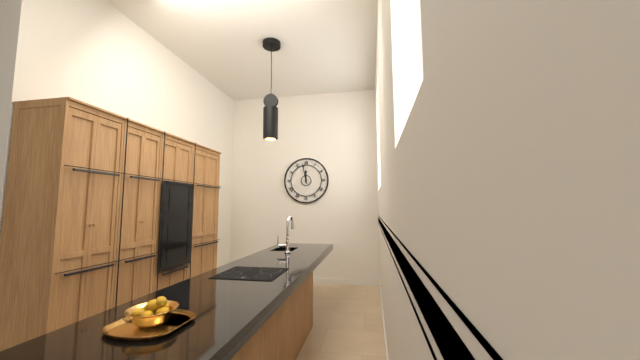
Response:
11.58
